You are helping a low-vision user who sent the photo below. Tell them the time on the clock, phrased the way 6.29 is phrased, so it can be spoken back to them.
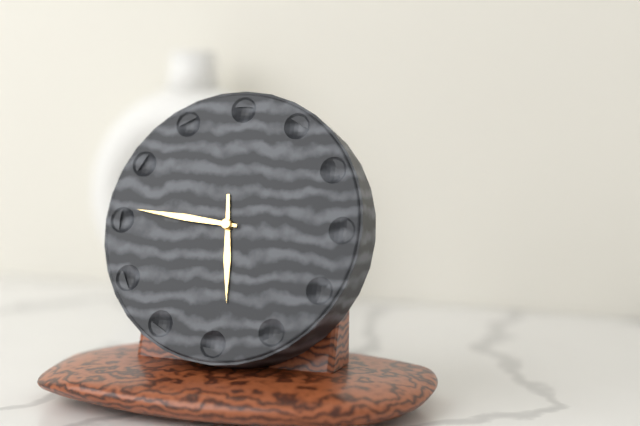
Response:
5.46
